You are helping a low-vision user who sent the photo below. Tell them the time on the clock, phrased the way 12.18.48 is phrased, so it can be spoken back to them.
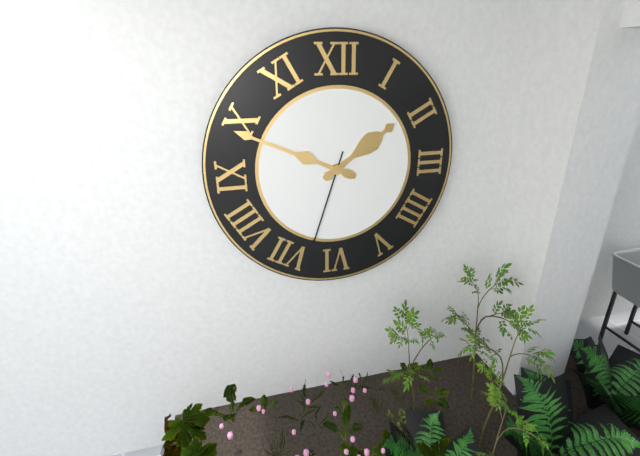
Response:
1.49.33
